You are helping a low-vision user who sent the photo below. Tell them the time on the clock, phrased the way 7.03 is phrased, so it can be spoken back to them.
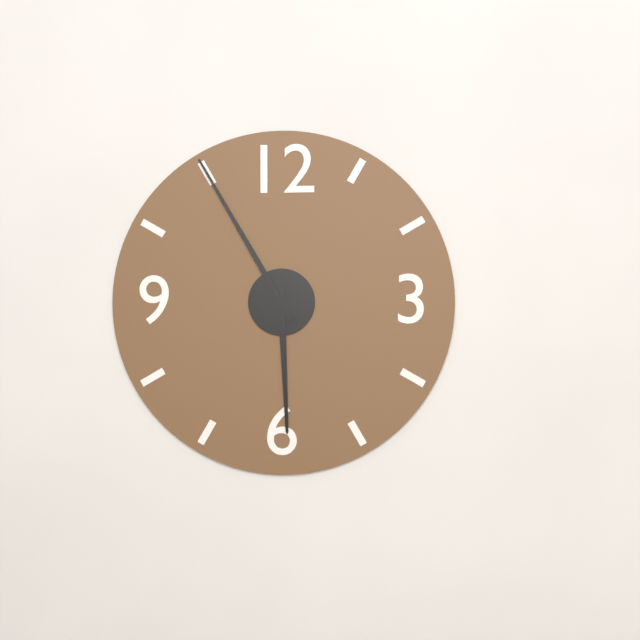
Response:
5.55
